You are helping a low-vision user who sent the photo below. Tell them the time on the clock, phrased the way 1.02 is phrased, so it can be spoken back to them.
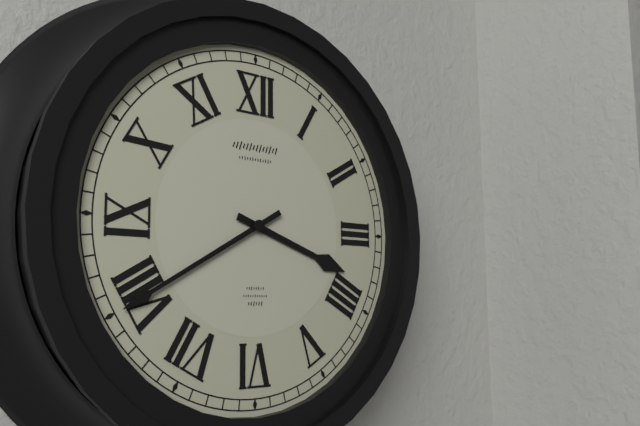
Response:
3.40
